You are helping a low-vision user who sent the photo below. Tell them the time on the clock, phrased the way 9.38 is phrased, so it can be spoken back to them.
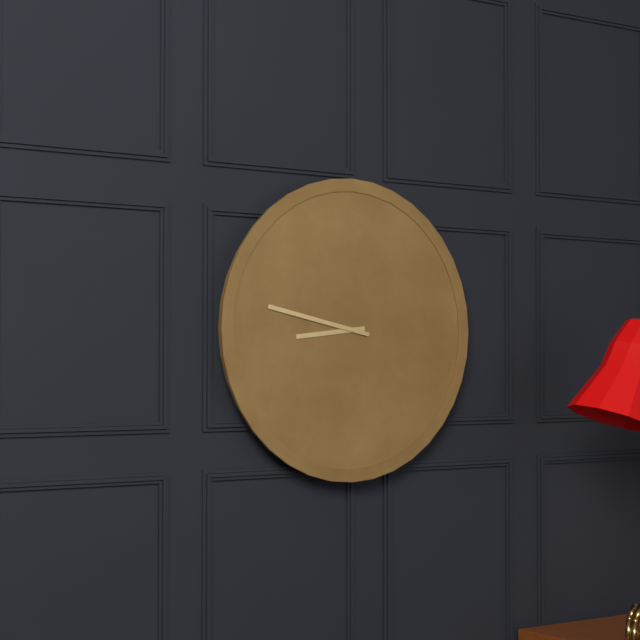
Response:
8.47
